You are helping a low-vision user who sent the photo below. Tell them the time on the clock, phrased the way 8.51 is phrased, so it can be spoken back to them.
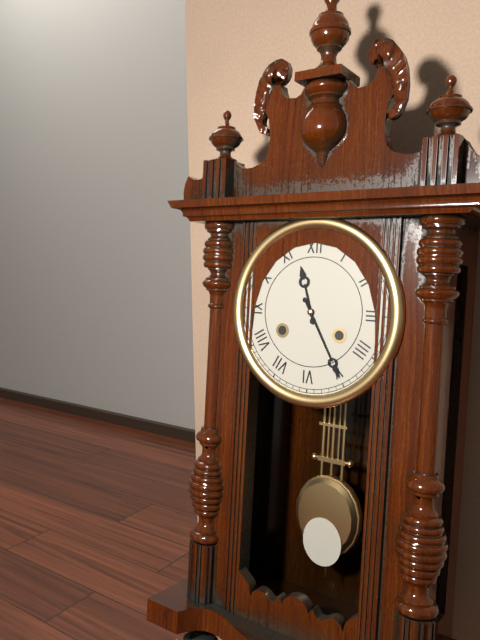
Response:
11.25
